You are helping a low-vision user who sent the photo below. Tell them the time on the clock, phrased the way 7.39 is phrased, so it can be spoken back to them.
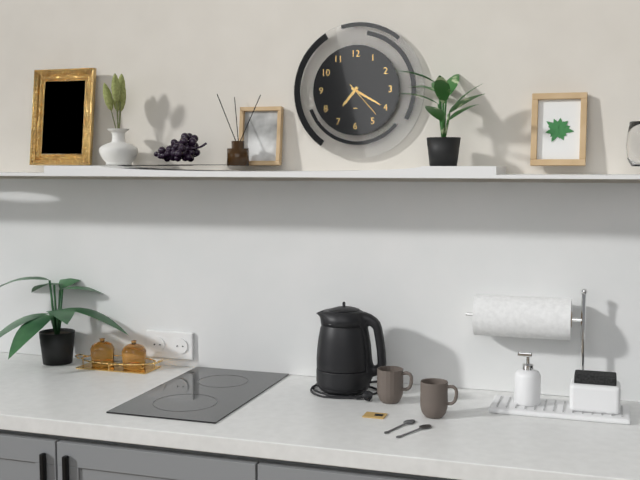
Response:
7.20
